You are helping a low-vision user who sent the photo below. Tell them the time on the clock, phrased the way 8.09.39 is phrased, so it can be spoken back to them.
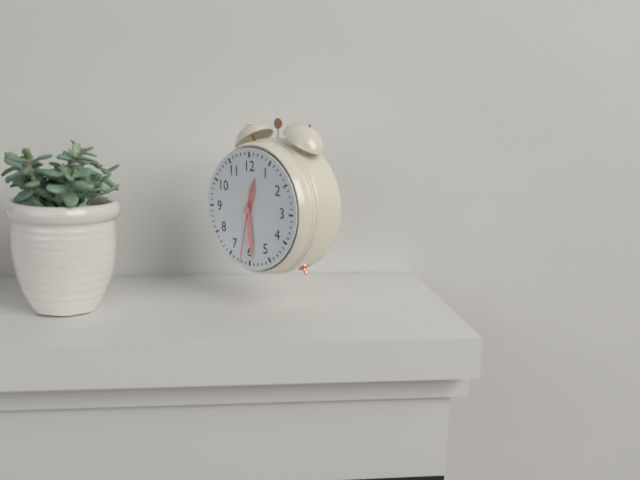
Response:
12.29.32
